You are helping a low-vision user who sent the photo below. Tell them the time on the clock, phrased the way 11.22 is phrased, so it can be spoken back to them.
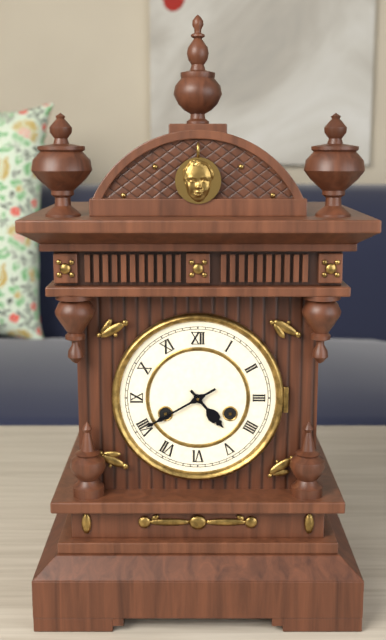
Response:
4.40
